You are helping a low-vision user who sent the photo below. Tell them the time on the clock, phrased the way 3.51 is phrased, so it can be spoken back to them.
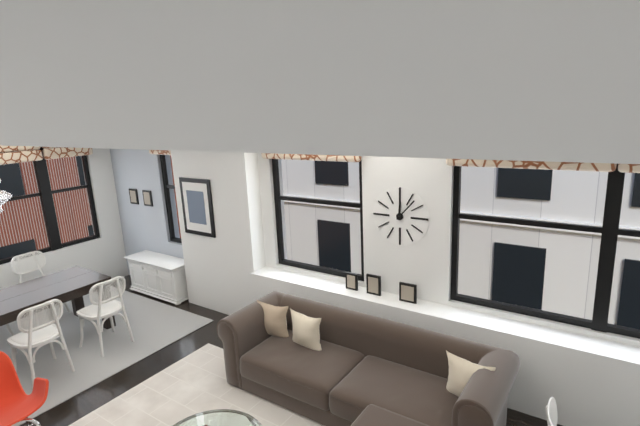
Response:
12.07
